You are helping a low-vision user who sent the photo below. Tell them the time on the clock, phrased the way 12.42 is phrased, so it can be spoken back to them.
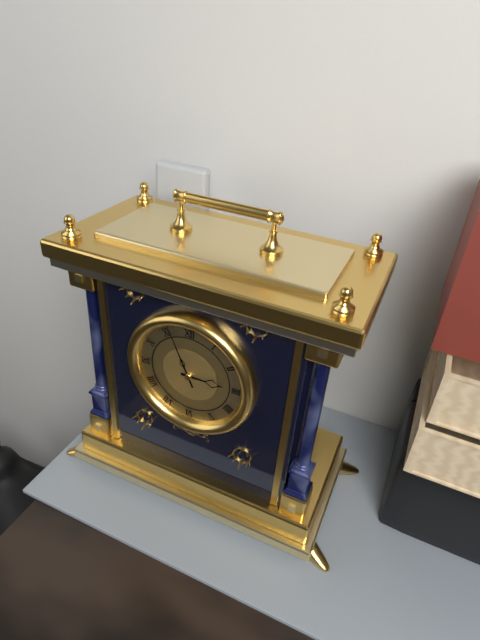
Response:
2.56
